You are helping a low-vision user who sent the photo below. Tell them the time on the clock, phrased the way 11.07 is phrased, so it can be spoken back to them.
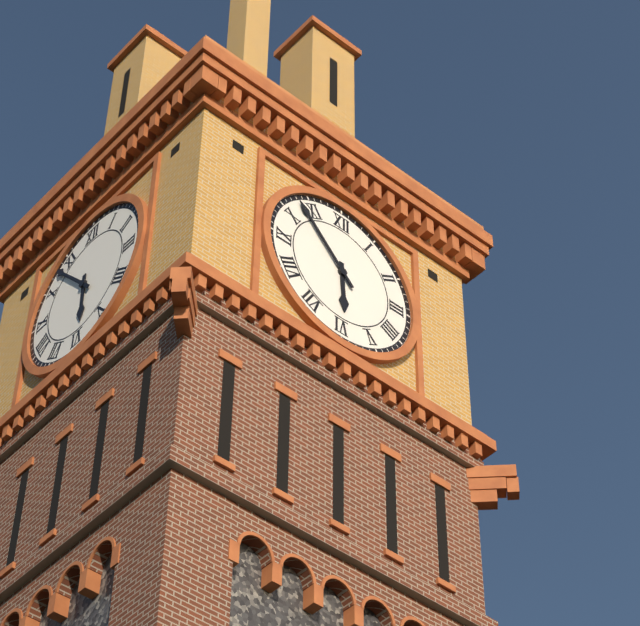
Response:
5.53
